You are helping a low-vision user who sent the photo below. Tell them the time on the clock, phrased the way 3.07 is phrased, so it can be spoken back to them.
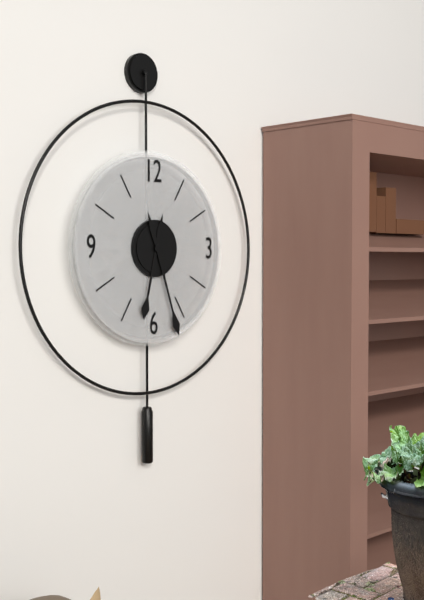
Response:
6.27
